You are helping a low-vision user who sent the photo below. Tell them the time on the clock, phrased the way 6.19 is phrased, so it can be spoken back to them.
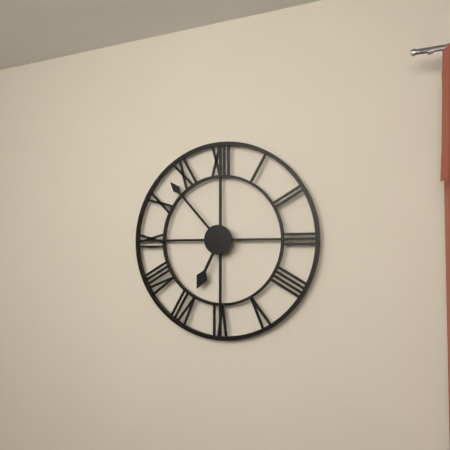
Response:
6.53
